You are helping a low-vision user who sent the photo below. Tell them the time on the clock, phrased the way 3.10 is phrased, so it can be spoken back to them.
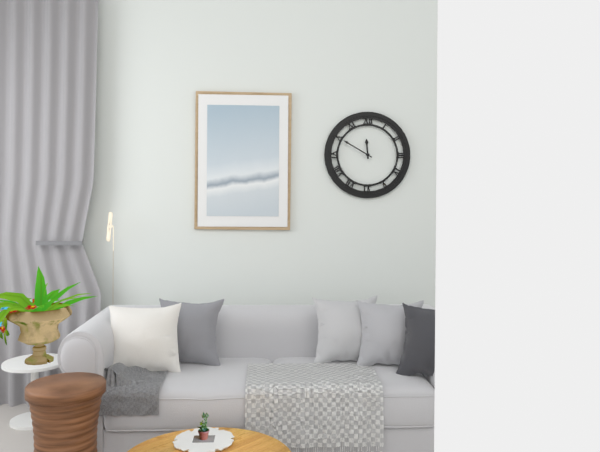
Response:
11.50
